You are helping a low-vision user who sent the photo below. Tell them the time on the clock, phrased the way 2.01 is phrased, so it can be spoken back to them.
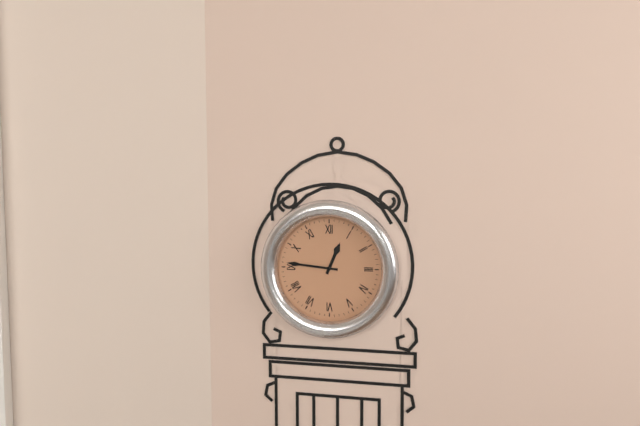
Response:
12.46
